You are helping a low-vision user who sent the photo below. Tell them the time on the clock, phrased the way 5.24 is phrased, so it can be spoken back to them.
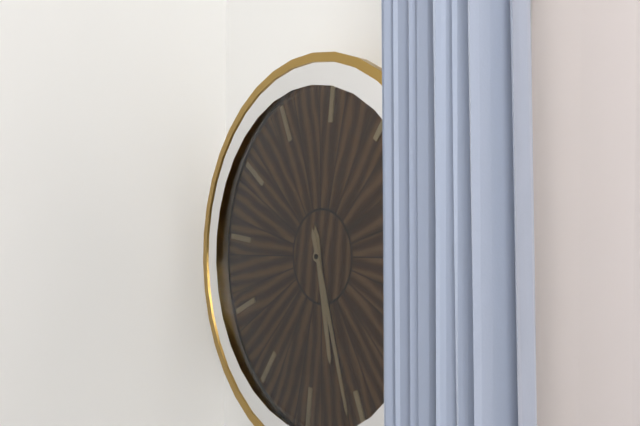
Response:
5.26
